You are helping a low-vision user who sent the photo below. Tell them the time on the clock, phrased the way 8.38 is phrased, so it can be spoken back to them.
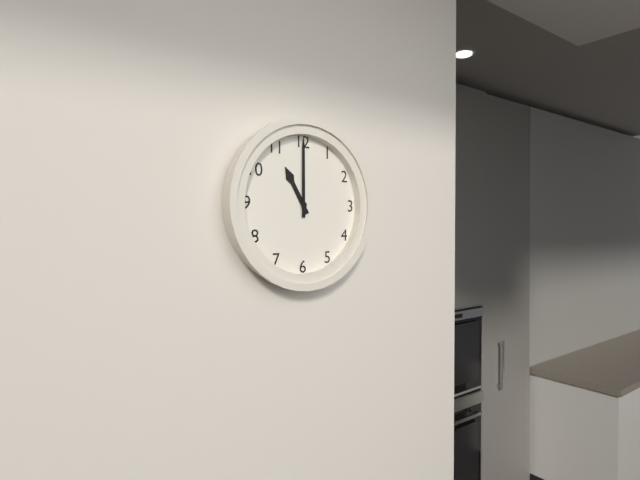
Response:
11.00
